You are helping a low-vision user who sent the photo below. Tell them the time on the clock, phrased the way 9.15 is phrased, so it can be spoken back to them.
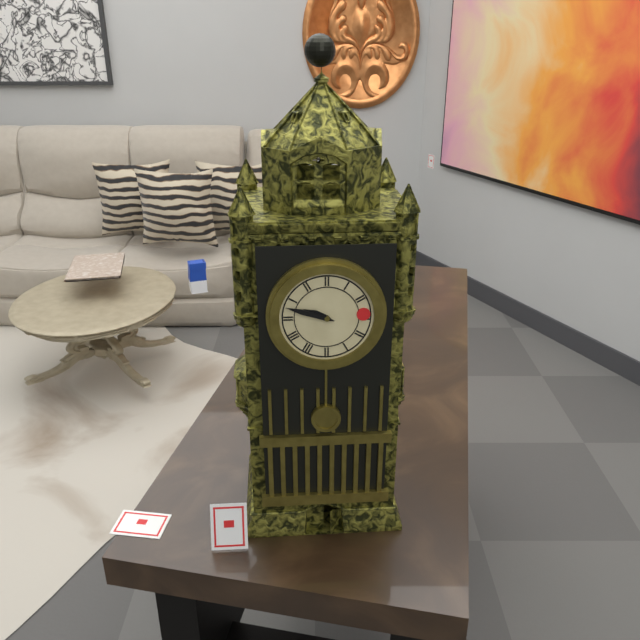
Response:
9.48
